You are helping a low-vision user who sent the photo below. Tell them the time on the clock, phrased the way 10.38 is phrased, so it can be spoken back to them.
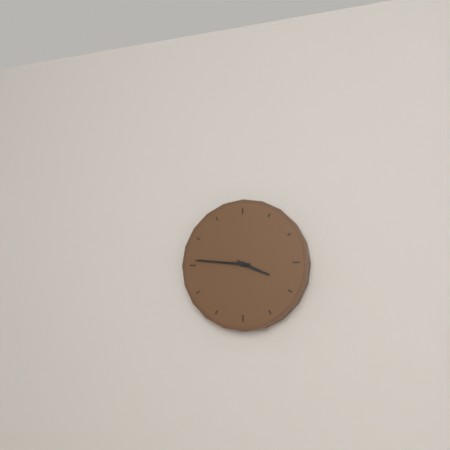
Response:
3.46
